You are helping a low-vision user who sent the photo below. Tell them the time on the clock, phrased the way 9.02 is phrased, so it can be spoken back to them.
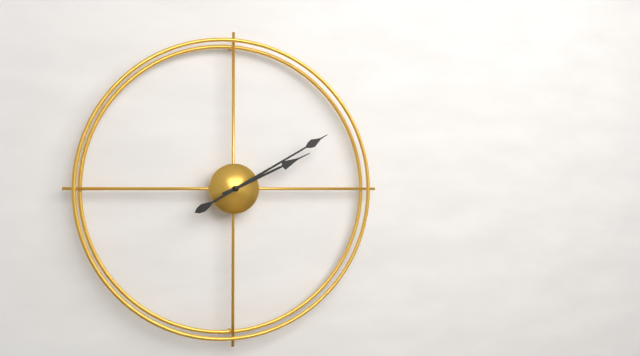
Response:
2.10
